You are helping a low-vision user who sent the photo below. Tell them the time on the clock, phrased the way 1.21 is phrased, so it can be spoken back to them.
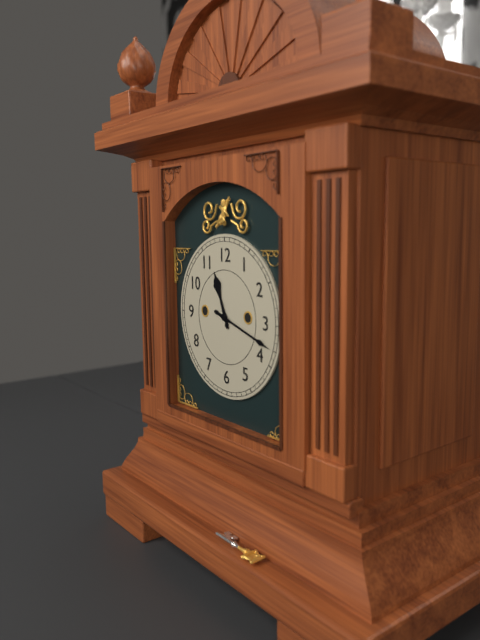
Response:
11.18
